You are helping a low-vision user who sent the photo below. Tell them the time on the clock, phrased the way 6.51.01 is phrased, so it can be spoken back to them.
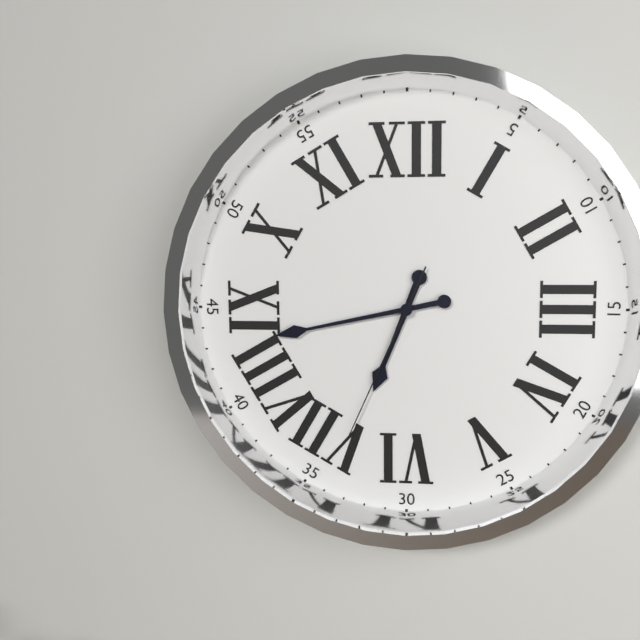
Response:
6.43.34
